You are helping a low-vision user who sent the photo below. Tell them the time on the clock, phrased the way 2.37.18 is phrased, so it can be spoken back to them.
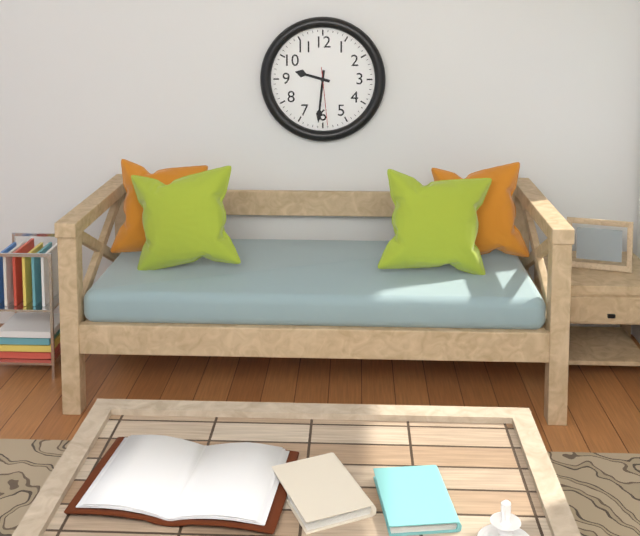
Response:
9.31.29
